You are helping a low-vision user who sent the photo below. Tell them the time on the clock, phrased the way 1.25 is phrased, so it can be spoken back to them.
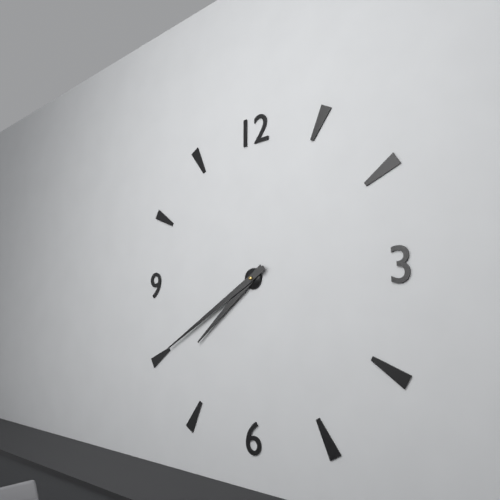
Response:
7.40
